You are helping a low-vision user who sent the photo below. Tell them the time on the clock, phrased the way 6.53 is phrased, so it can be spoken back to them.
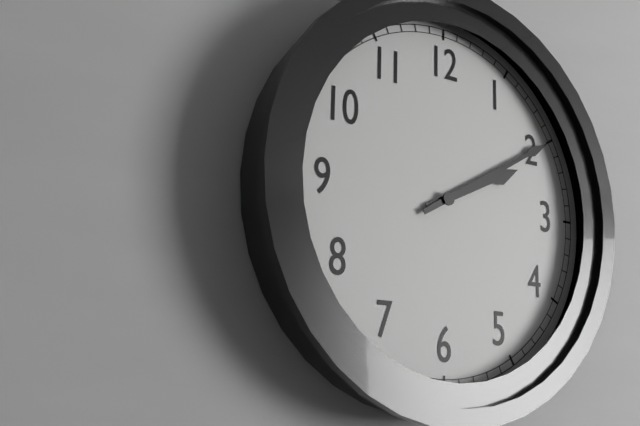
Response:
2.10
